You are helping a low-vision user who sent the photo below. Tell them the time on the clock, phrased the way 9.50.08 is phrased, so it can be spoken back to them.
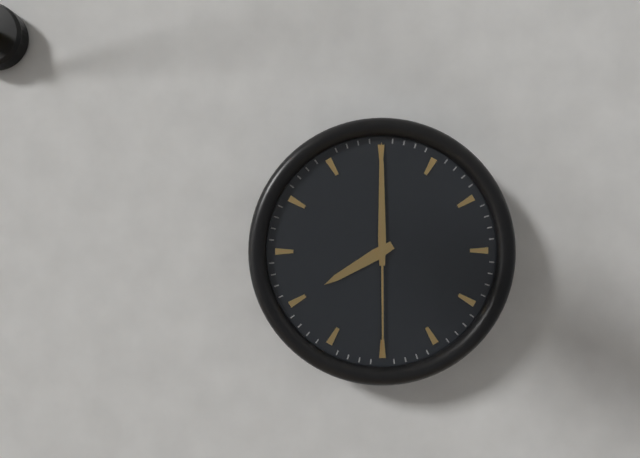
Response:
8.00.30
